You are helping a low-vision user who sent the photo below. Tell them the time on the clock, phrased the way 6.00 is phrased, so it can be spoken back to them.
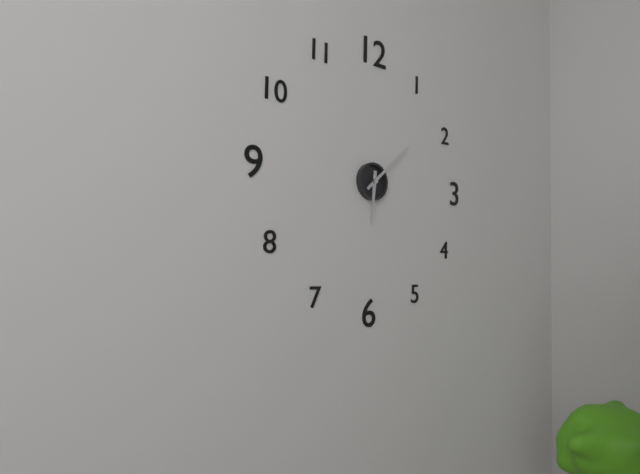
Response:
6.08
